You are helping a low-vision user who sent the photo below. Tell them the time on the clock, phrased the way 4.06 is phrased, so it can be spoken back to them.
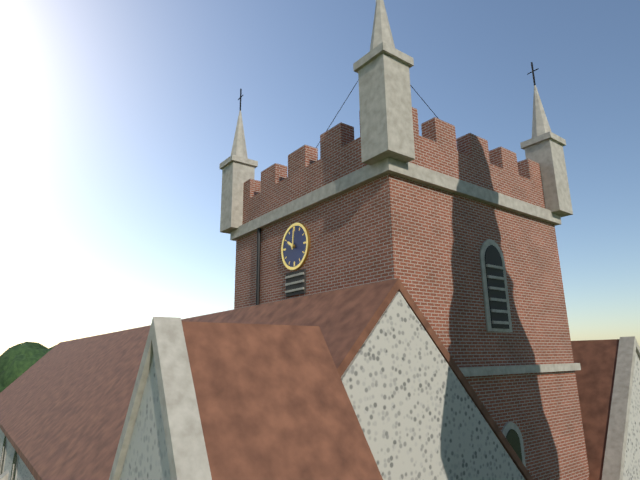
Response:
10.01
